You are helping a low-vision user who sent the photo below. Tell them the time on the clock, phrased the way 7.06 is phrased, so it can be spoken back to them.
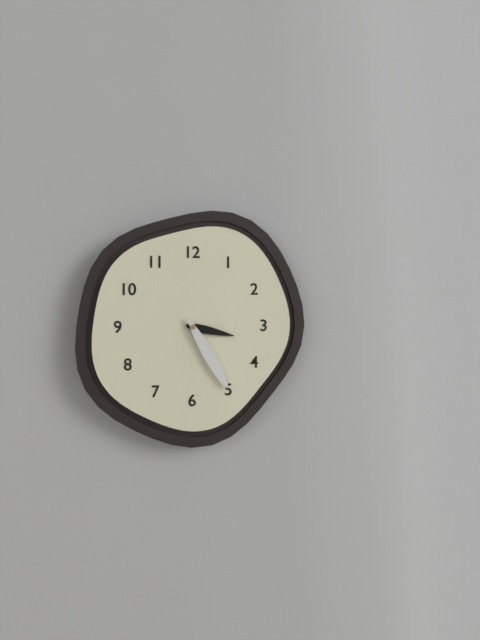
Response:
3.25
